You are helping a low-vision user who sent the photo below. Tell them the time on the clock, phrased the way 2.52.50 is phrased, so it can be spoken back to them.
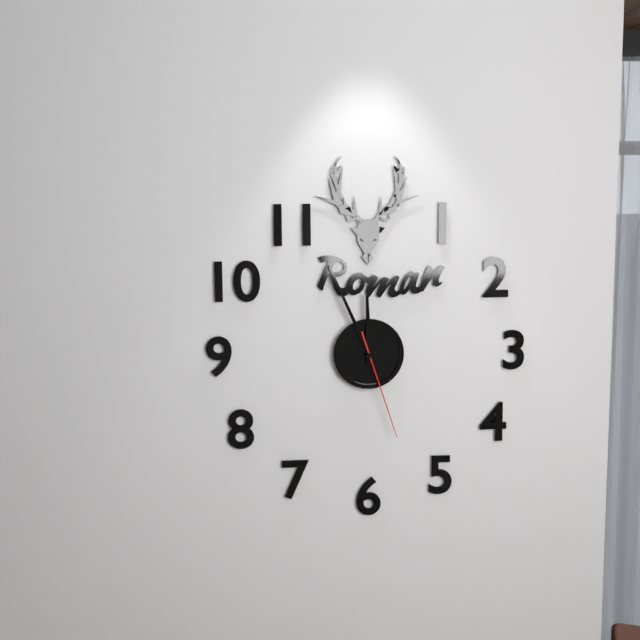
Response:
11.56.27
